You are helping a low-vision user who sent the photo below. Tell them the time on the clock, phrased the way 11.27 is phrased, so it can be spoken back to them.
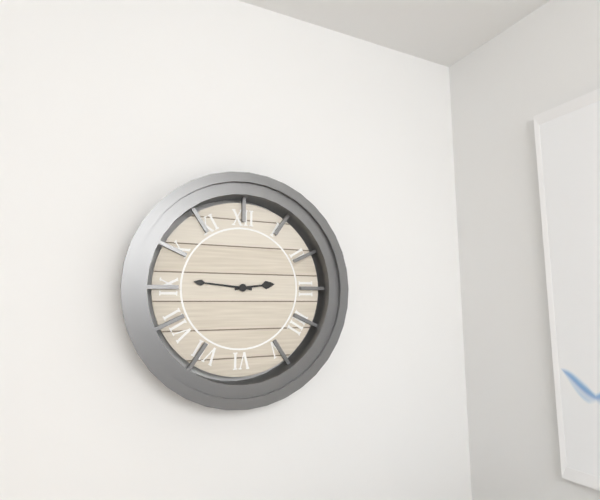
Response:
2.46
